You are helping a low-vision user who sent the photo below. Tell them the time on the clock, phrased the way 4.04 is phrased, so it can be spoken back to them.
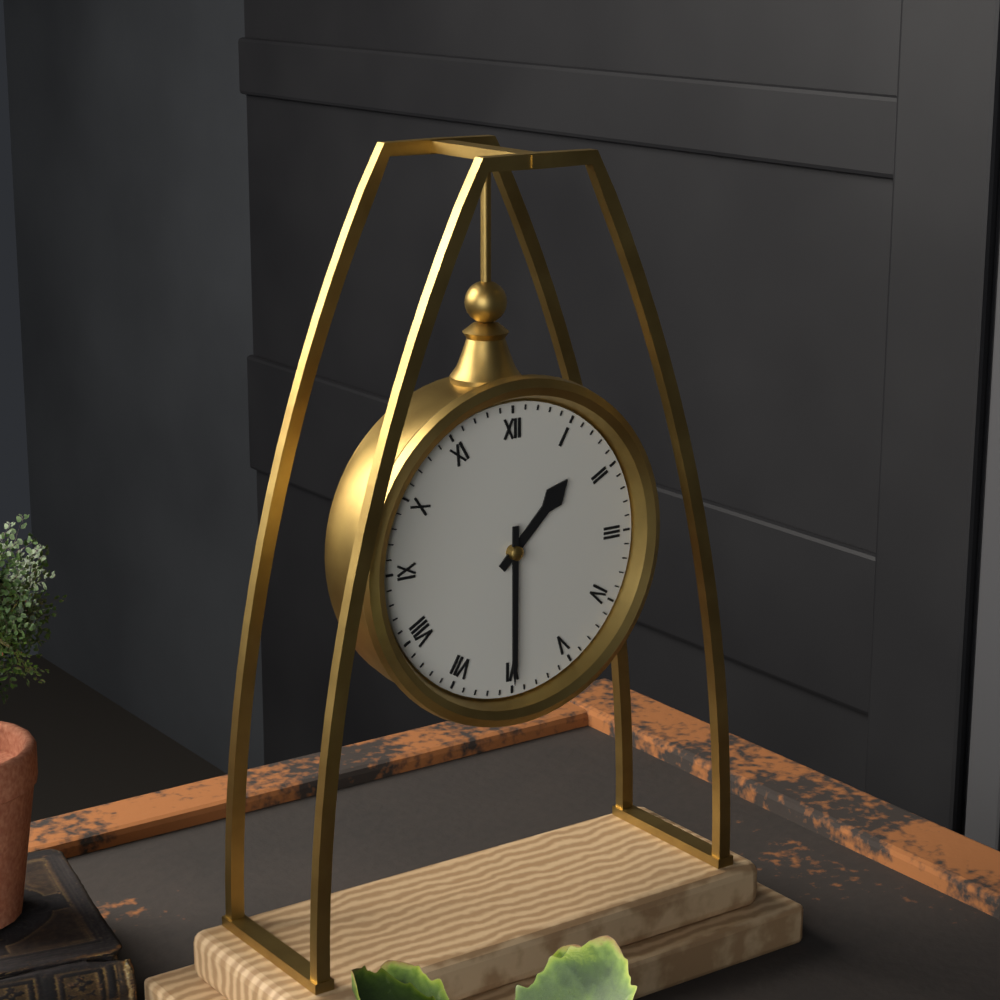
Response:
1.30
